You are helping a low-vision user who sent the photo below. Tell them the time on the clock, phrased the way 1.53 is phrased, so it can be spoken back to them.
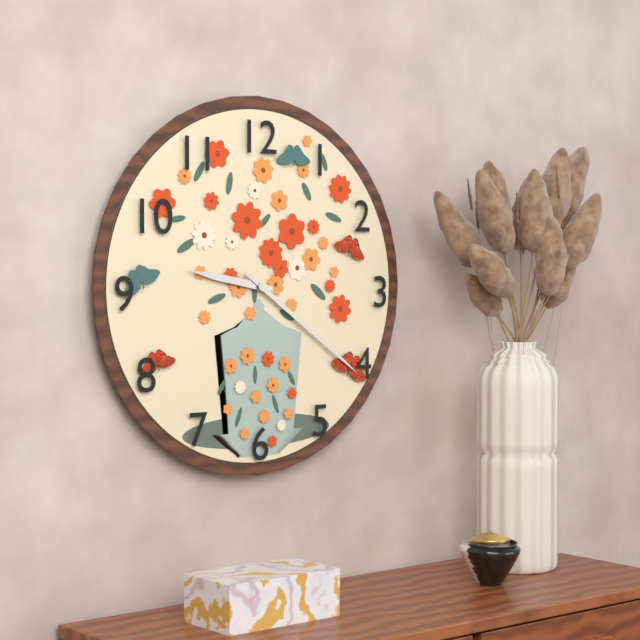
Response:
9.21
